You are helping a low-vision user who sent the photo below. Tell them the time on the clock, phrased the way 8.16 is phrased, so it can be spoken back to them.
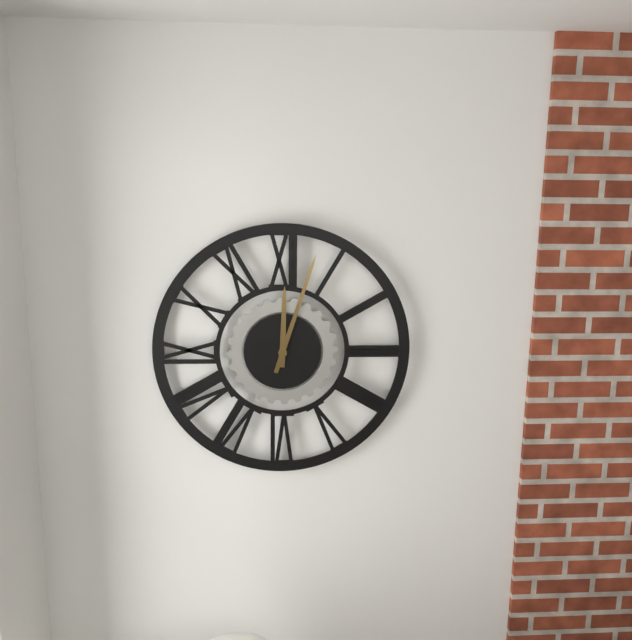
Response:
12.03
